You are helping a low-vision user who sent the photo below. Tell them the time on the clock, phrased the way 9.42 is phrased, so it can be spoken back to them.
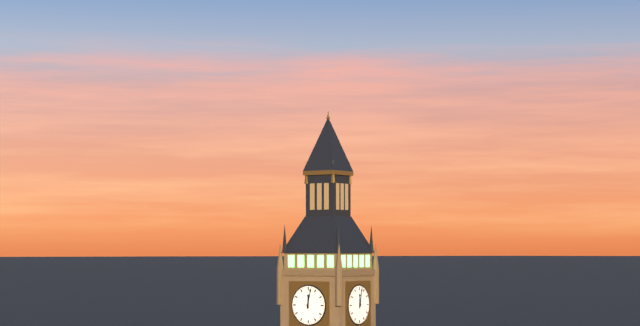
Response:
12.02
